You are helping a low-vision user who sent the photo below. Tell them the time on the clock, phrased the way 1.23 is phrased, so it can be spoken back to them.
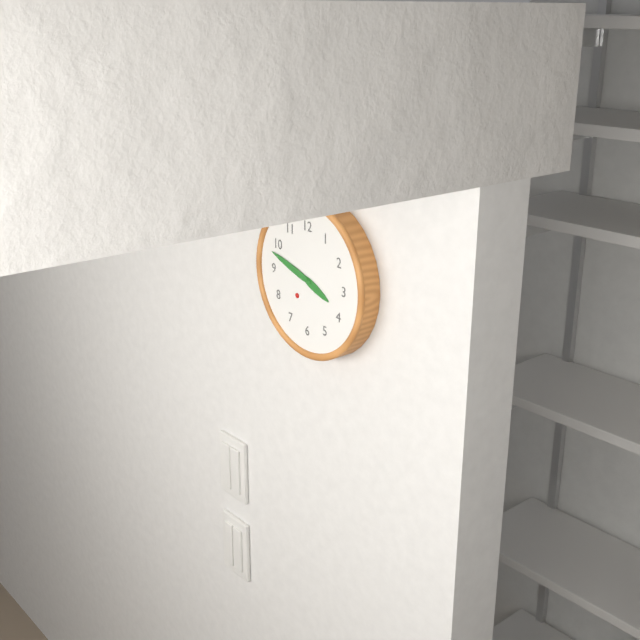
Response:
3.48
